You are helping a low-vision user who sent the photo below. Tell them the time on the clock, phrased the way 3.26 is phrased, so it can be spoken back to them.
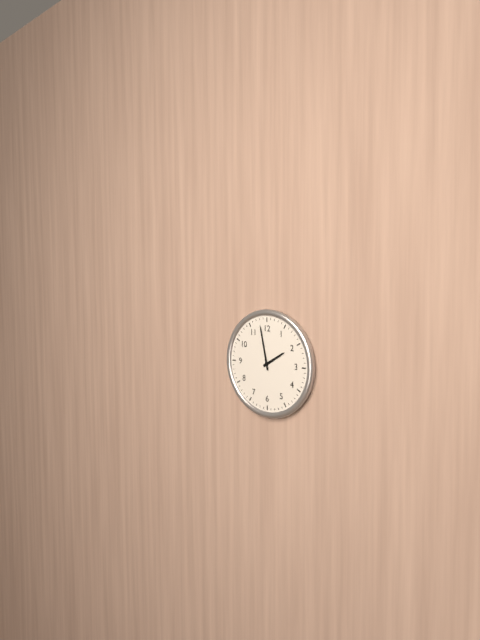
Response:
1.58
